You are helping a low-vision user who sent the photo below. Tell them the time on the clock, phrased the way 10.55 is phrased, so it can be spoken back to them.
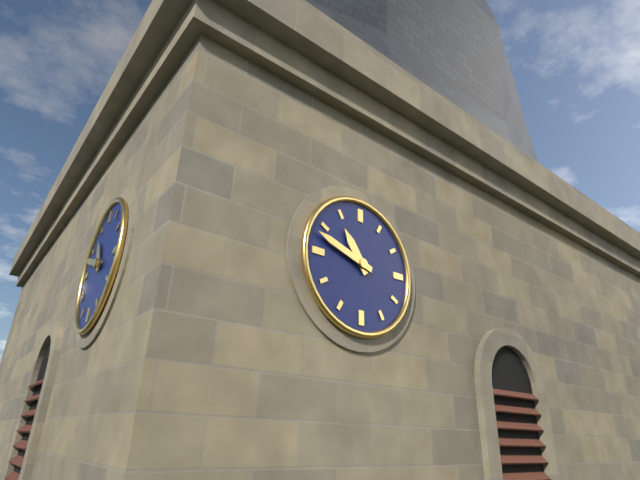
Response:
10.48
